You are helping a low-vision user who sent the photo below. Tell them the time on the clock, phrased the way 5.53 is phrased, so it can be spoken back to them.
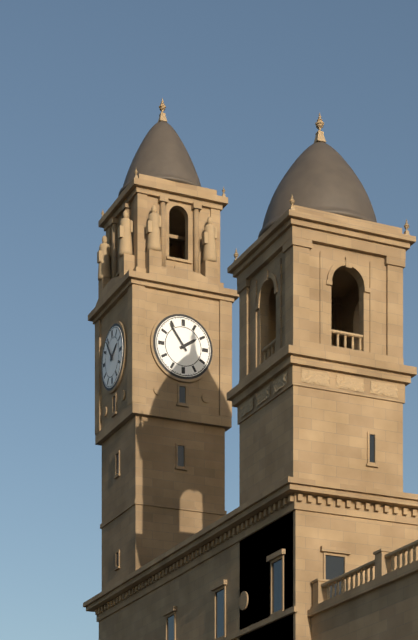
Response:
1.54
